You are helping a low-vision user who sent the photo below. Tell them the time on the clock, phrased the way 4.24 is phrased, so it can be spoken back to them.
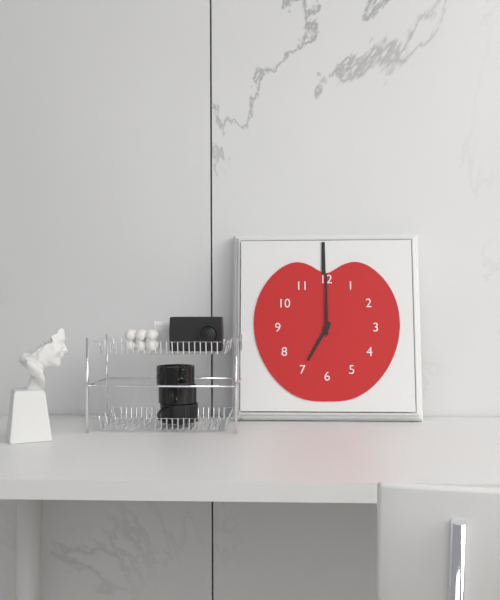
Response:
7.00
